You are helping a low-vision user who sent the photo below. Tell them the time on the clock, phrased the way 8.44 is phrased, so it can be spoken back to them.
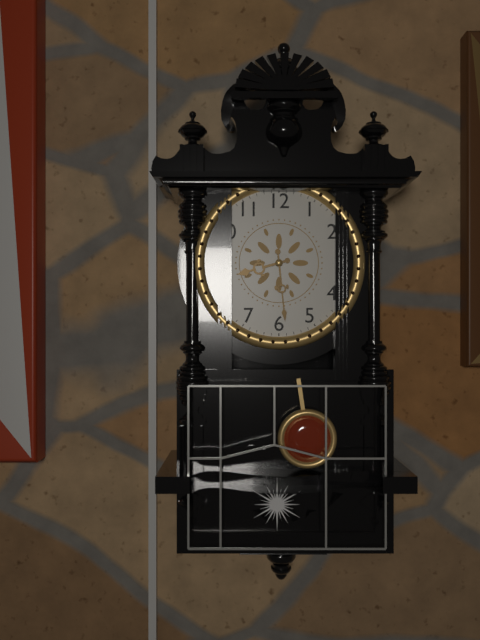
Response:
8.29
